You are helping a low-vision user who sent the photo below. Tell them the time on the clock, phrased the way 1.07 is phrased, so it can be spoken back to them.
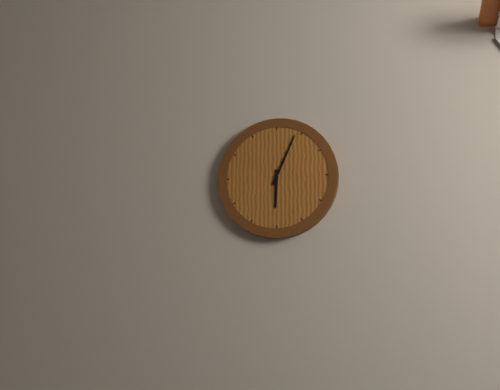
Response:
6.04
